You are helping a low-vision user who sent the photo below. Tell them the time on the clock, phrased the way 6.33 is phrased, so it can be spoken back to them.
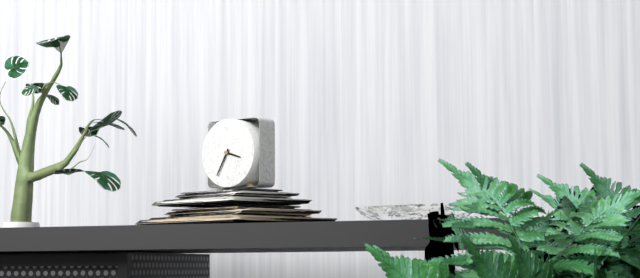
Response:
3.35
